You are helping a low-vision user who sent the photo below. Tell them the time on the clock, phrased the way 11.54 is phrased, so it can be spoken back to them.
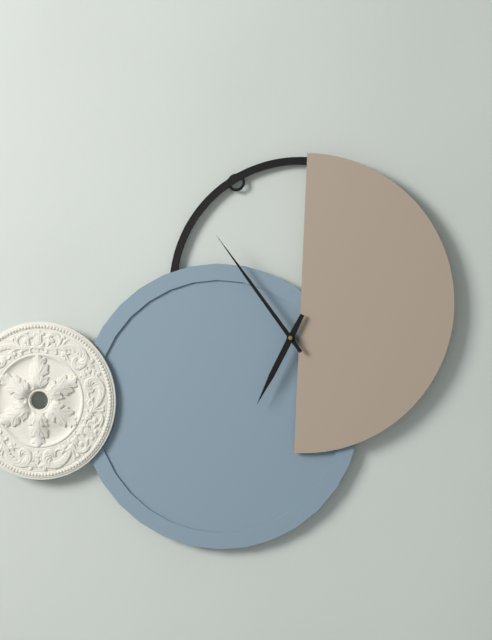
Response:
6.54
